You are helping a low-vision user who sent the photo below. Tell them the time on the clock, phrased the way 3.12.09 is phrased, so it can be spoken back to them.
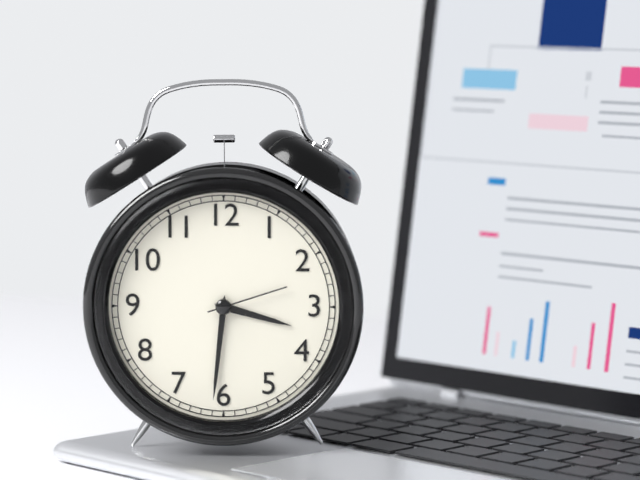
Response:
3.31.12
